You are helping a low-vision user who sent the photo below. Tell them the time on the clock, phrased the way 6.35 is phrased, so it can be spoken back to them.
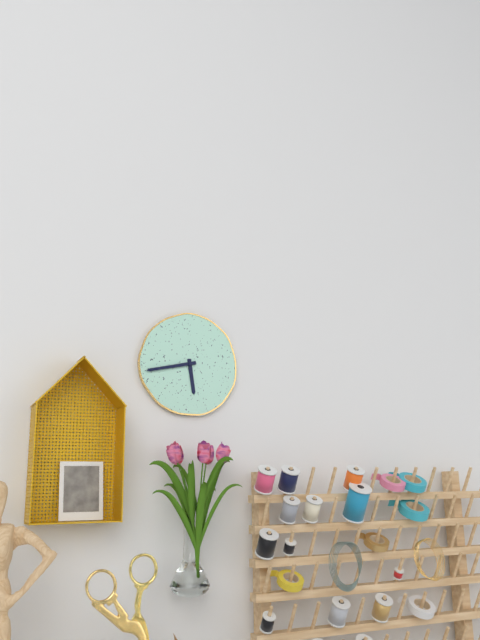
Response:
5.43
